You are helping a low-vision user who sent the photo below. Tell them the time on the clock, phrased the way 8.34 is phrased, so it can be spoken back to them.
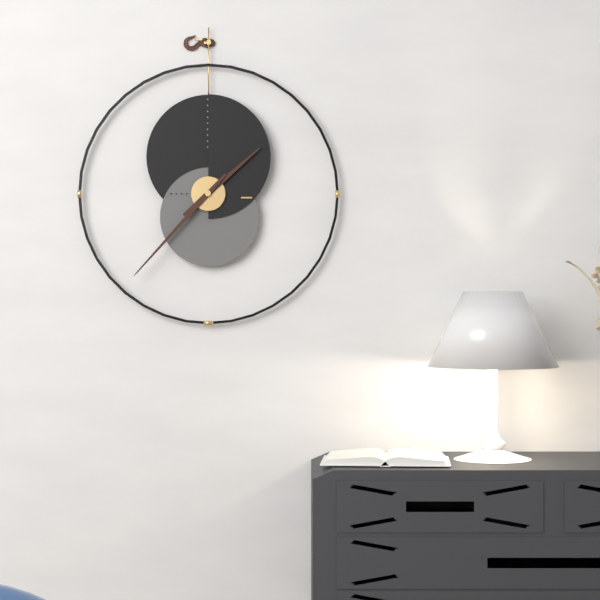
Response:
1.37
